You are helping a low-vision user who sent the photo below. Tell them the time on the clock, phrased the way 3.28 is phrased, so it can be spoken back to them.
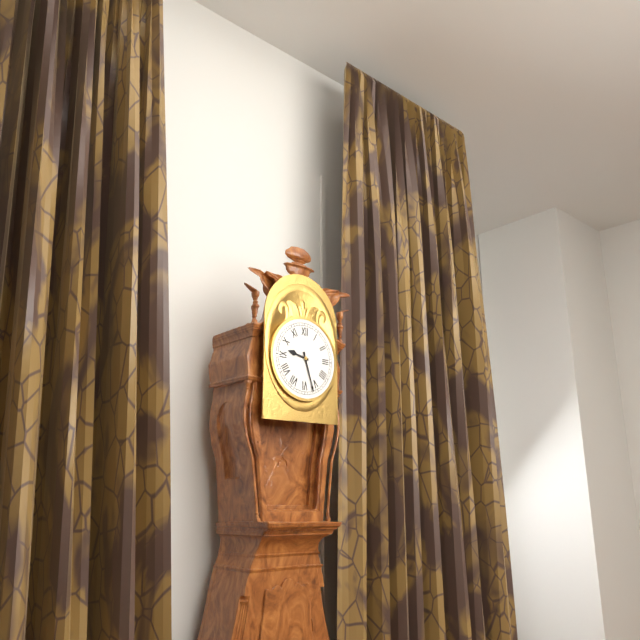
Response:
9.27
